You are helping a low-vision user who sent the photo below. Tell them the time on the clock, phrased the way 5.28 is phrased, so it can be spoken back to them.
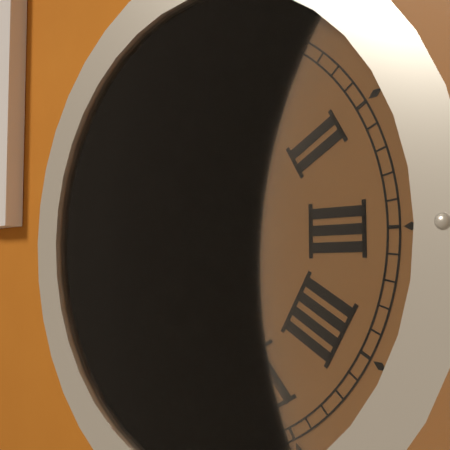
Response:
11.40
